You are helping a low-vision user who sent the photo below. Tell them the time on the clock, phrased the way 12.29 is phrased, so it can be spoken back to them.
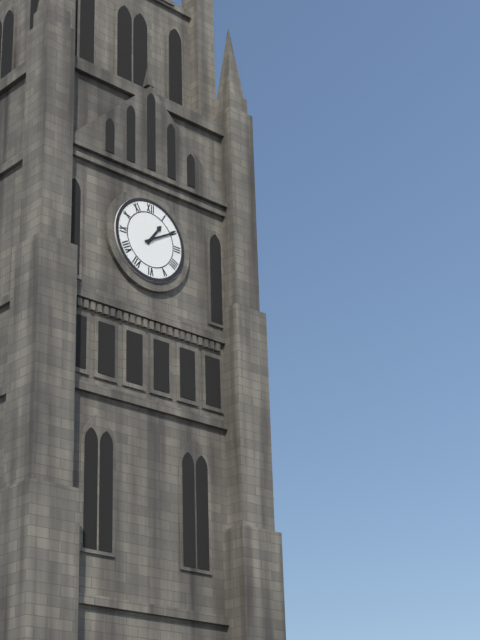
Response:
1.10
